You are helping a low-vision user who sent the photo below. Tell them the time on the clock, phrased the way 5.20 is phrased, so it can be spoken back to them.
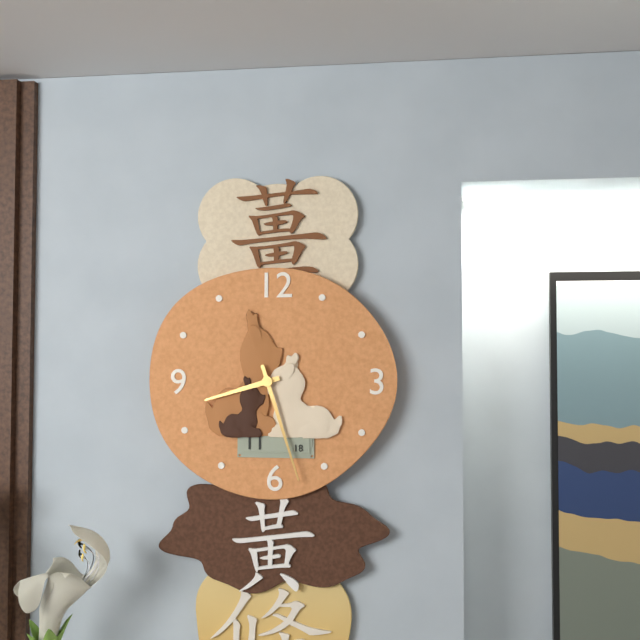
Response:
8.27
